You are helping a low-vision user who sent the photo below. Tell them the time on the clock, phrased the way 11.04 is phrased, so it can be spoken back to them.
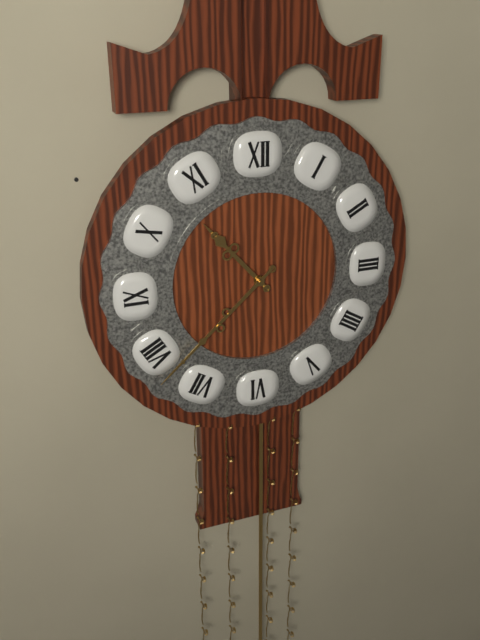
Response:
10.38
